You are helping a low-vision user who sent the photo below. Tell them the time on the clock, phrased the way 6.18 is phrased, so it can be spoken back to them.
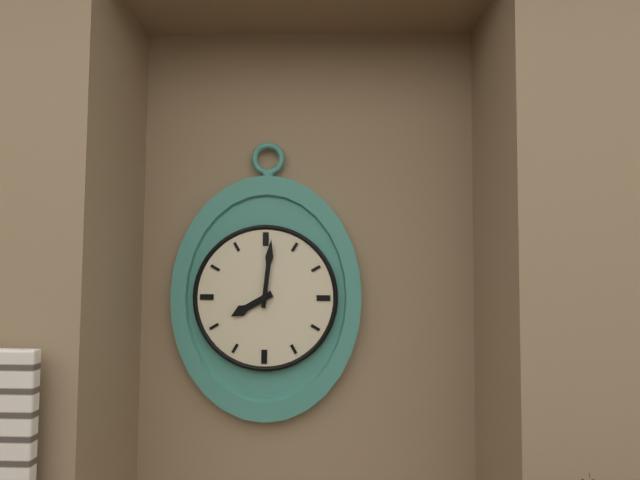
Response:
8.01
